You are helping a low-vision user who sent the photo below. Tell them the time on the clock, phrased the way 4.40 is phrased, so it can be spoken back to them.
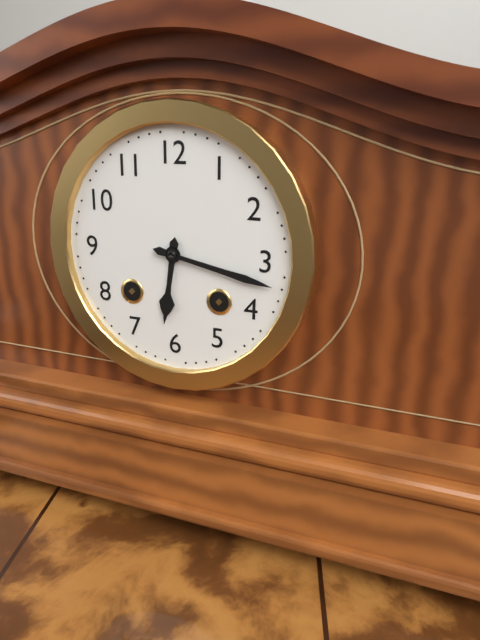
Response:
6.17
